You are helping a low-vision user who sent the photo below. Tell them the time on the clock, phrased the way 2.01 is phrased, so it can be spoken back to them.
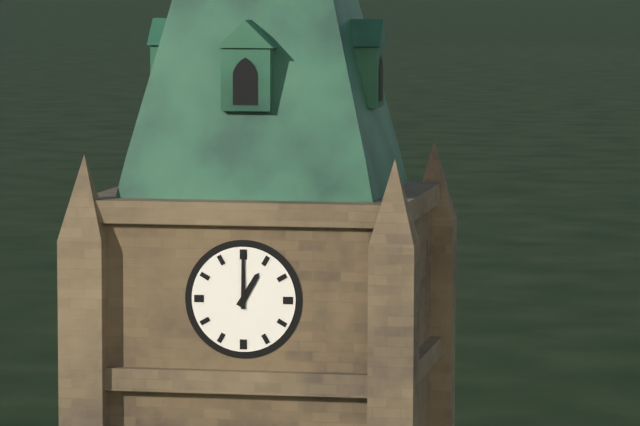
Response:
1.00
